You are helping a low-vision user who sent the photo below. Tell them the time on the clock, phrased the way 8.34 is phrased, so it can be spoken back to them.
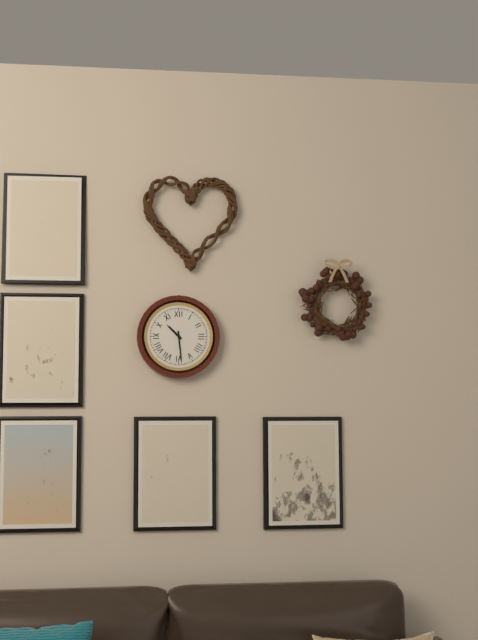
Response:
10.29
